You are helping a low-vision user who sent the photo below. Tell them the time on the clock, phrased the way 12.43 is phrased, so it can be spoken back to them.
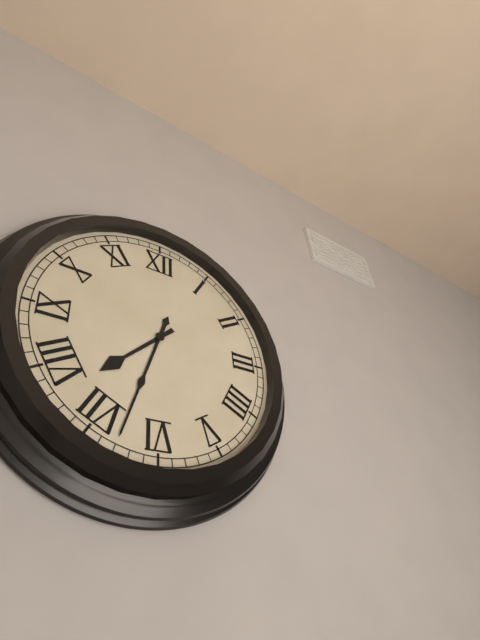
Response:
7.33
